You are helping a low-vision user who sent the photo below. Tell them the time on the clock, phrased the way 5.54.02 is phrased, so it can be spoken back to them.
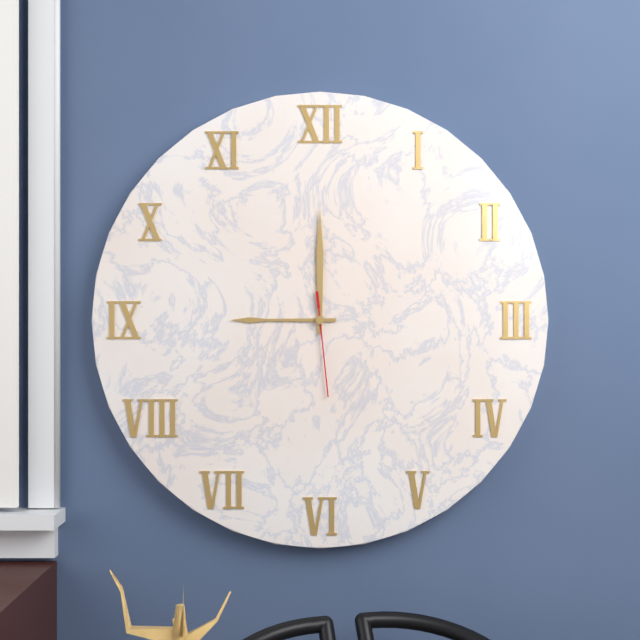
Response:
9.00.29
